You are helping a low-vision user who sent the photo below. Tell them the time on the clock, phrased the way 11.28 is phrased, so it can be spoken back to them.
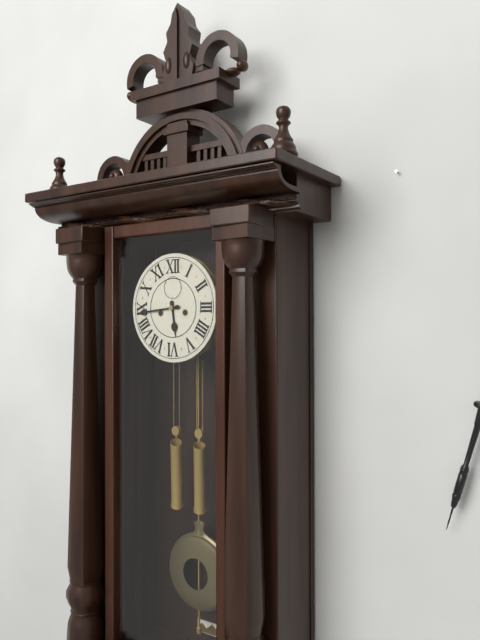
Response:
5.44
